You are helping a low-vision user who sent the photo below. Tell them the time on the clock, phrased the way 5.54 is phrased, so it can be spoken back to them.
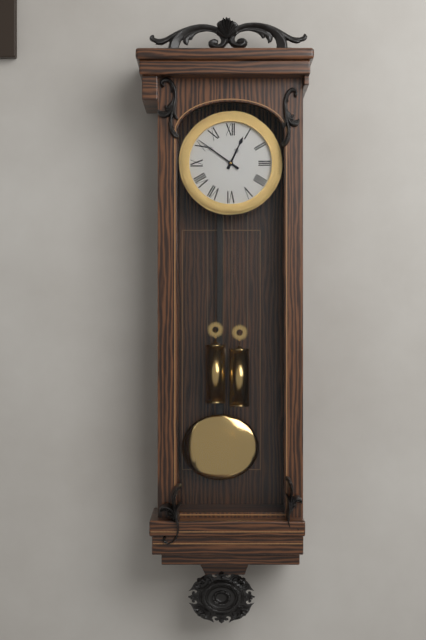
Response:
12.51
